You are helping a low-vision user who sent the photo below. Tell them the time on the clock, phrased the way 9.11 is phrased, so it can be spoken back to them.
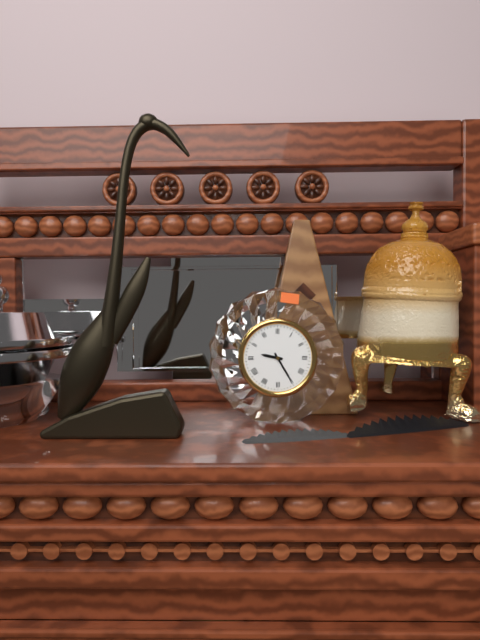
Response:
9.25
